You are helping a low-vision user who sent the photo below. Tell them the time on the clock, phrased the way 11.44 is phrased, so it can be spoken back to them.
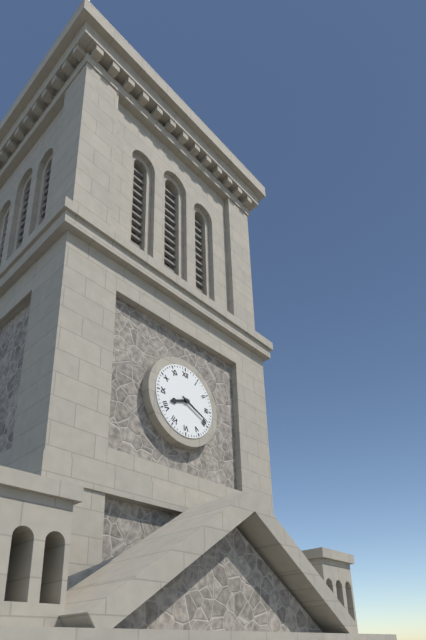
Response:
8.19
